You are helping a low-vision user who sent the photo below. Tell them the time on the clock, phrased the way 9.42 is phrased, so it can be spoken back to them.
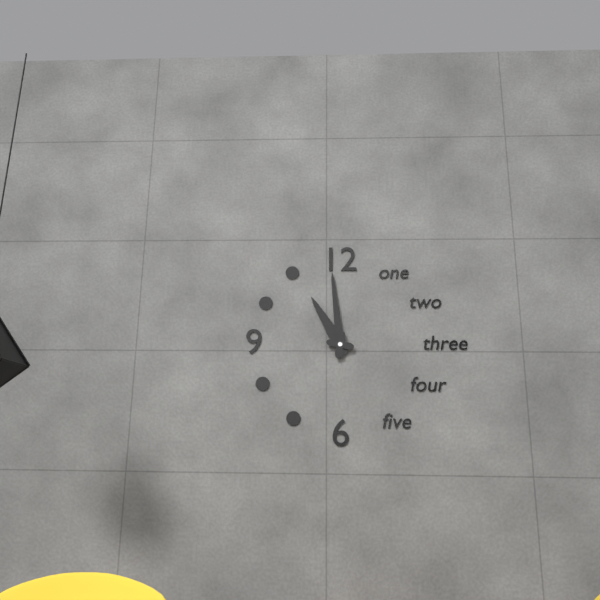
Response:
10.59
